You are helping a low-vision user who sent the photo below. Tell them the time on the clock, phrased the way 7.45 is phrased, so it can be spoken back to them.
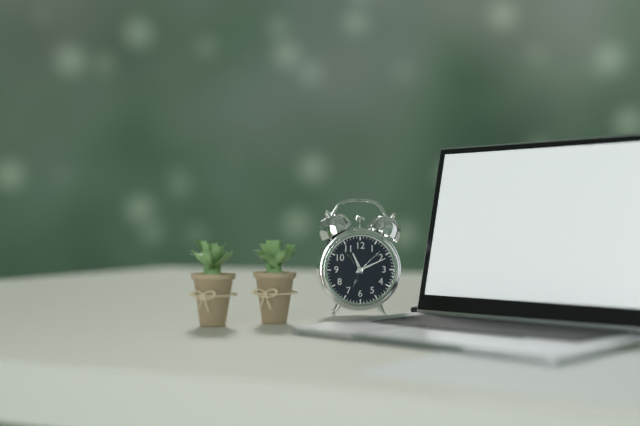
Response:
11.11
